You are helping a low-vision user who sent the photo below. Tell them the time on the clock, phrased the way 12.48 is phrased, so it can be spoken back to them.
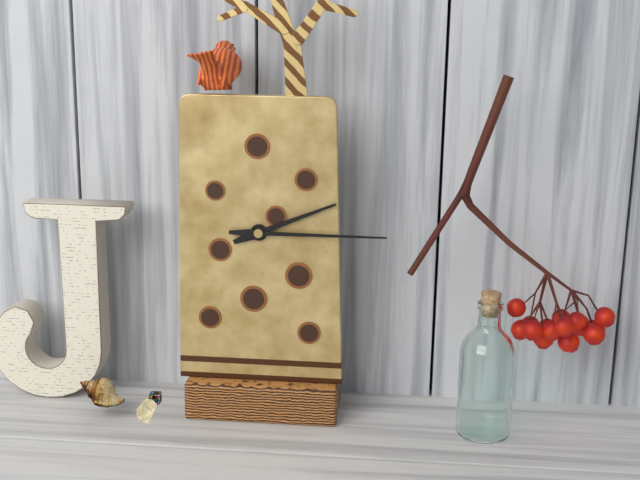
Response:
2.15
